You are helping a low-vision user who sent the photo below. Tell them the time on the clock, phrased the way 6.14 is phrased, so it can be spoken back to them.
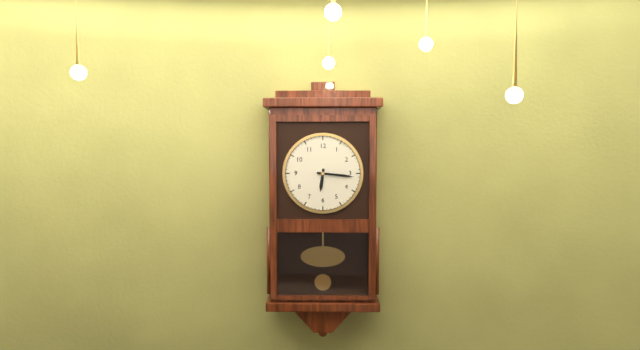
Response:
6.16
